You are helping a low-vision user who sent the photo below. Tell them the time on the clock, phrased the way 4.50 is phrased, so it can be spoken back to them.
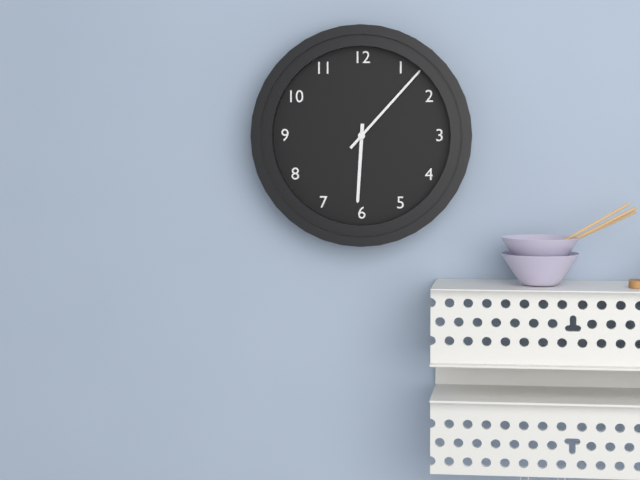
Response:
6.07
